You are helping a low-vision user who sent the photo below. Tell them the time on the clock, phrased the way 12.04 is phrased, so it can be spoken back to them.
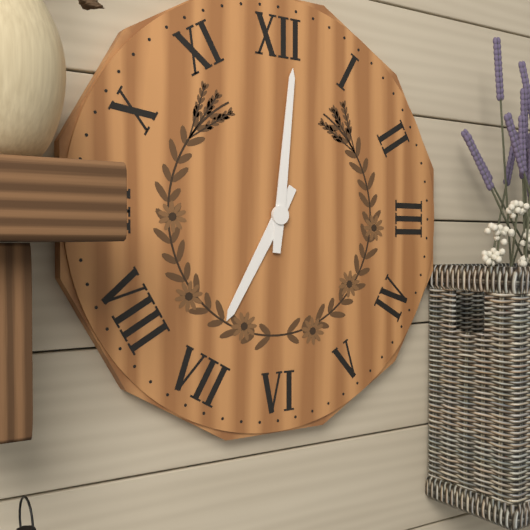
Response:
7.01
